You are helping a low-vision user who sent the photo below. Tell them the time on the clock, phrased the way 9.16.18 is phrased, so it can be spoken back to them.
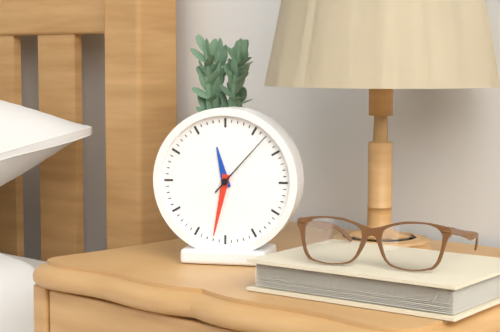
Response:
11.32.07
